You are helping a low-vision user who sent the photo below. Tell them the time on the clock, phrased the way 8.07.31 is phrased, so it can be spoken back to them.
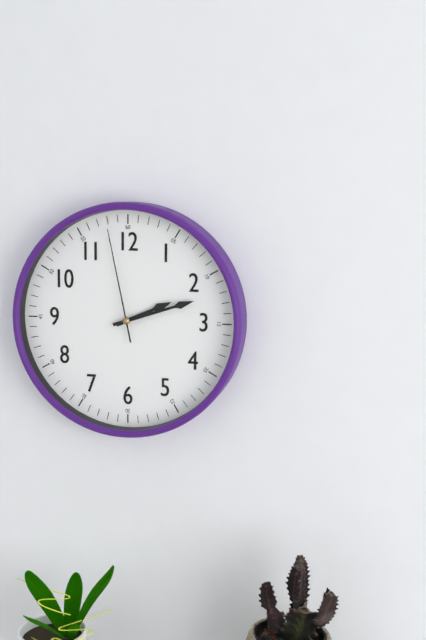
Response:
2.12.58
